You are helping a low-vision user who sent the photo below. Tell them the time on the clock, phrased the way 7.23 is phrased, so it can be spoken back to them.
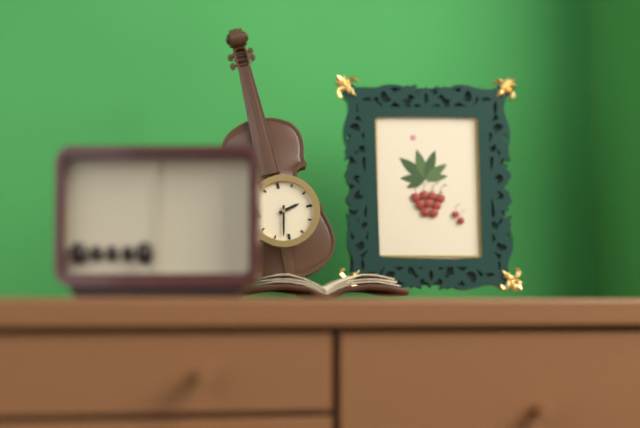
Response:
2.32
